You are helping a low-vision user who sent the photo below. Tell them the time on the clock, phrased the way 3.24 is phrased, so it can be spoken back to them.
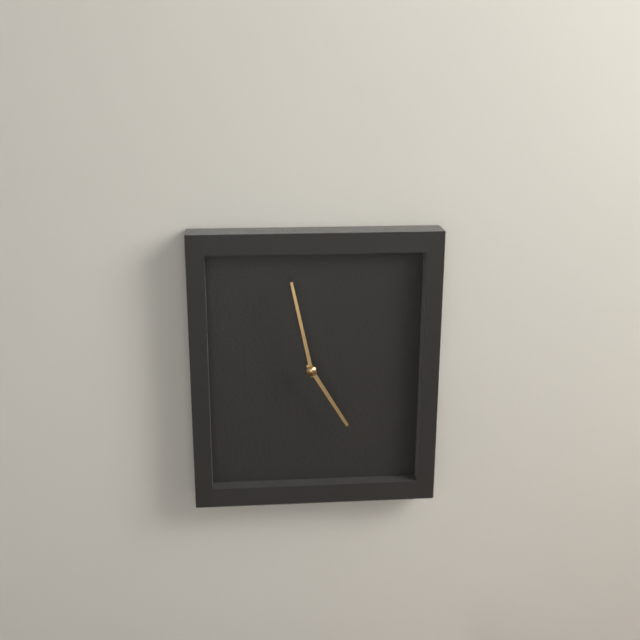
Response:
4.58
